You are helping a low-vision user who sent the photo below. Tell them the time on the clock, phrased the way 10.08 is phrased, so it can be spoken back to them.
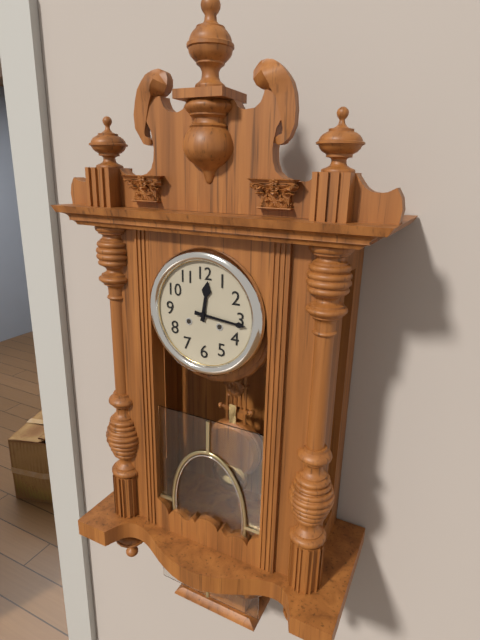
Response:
12.16
